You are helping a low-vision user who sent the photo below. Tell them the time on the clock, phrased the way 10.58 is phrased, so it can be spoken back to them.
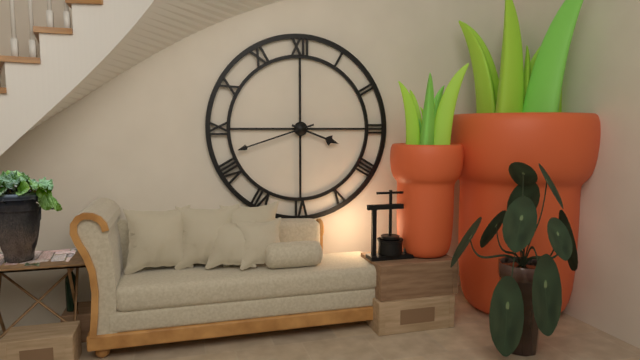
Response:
3.42
